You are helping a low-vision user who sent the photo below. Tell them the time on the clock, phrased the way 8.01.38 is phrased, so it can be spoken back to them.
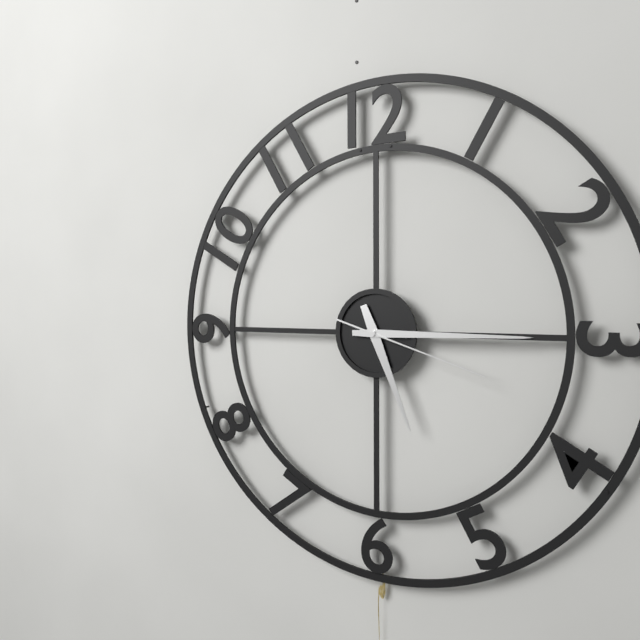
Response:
5.15.18
